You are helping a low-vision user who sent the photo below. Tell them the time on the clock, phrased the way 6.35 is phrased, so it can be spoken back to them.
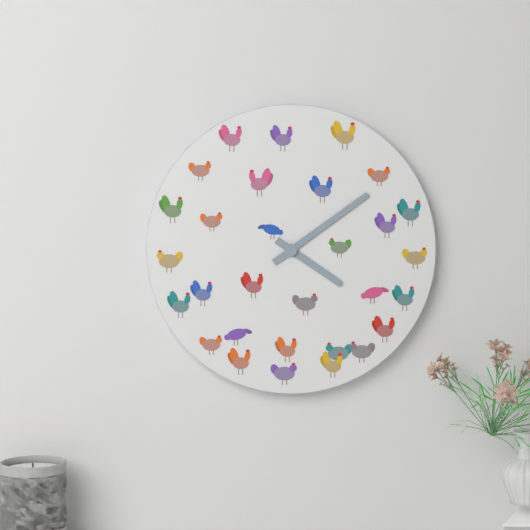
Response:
4.09
